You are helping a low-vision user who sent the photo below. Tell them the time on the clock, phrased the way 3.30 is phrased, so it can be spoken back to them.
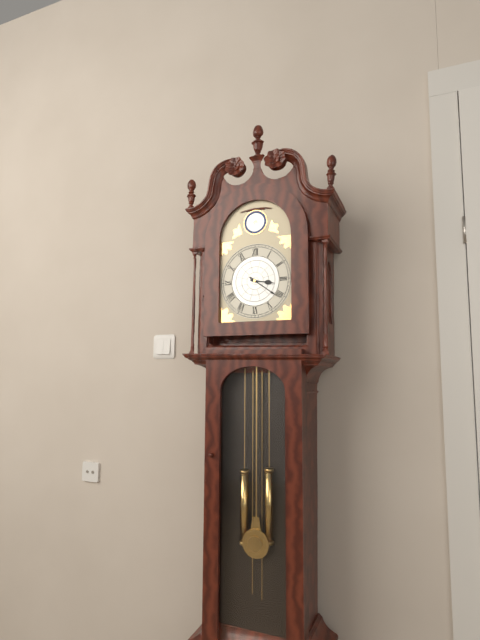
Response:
3.21
